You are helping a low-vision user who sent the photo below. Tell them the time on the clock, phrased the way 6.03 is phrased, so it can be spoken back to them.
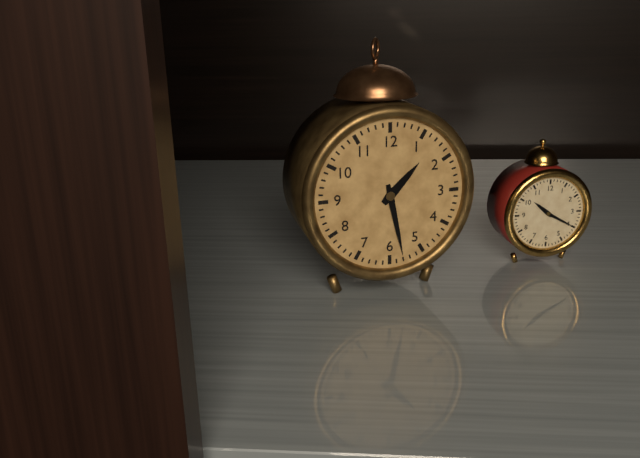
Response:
1.28
